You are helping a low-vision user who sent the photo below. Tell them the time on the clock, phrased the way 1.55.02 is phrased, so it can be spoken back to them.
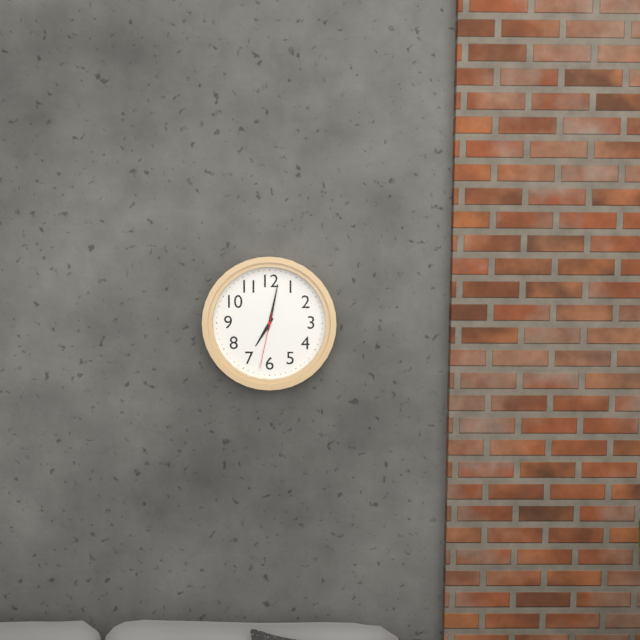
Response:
7.02.32
